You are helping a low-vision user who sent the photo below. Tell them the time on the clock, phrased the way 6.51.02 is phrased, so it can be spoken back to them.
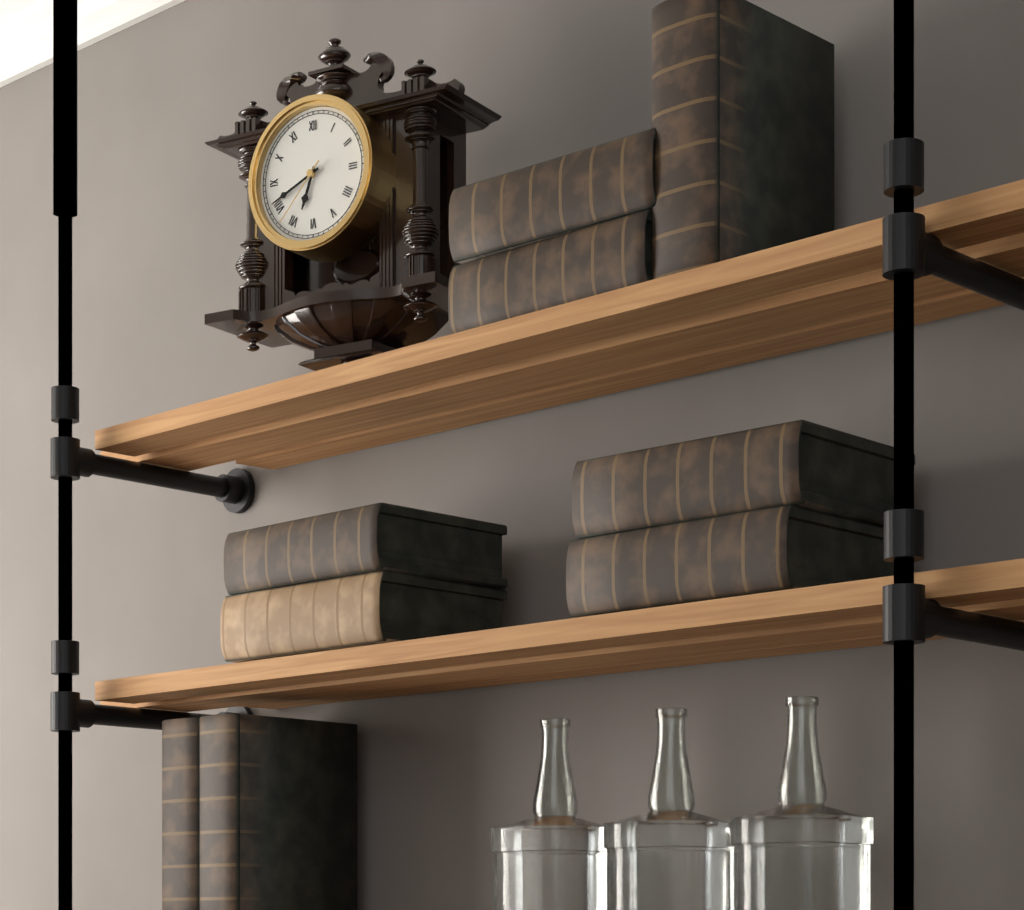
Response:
6.41.37
